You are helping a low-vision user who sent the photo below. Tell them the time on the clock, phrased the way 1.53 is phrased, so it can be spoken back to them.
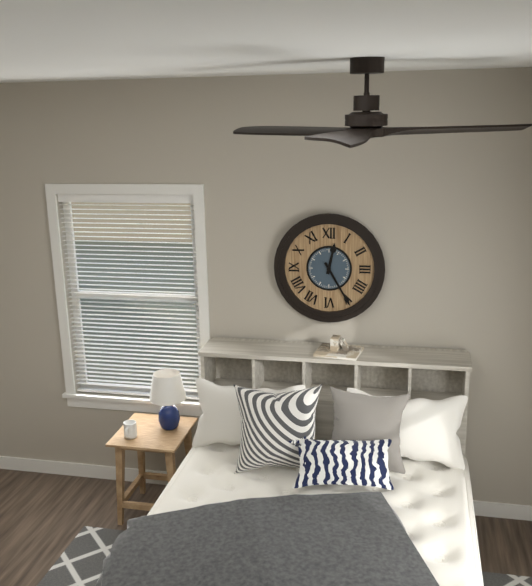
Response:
12.25
